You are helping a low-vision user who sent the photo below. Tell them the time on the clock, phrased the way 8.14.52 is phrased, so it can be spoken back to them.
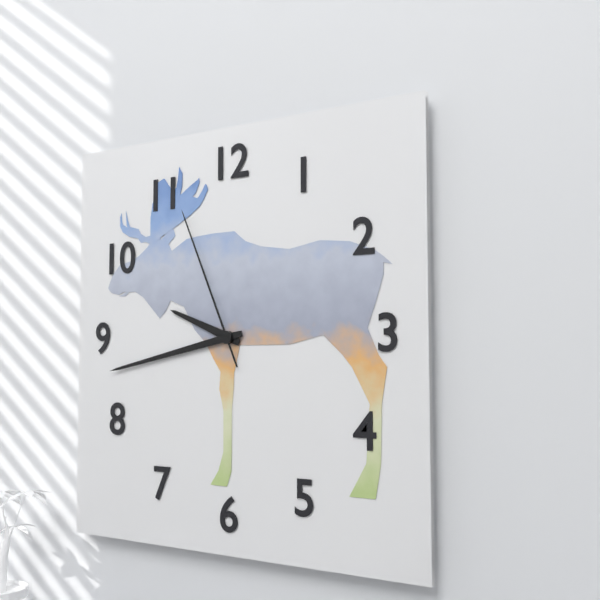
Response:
9.43.56
